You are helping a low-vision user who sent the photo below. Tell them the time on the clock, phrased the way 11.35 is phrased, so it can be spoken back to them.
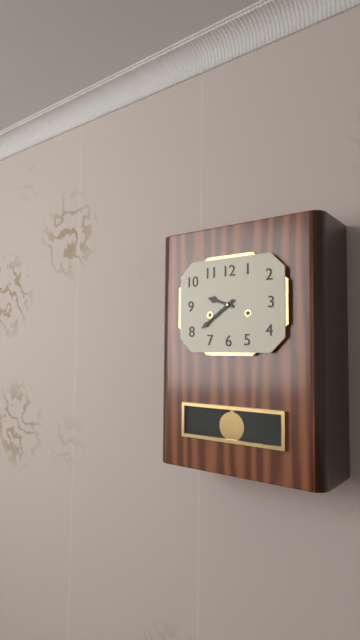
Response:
9.39
